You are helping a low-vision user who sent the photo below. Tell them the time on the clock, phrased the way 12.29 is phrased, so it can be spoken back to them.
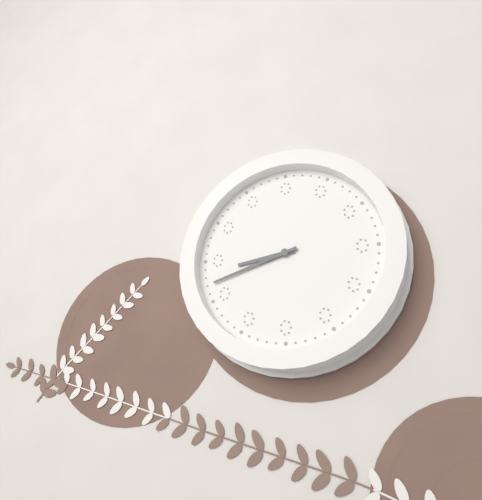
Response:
8.42
